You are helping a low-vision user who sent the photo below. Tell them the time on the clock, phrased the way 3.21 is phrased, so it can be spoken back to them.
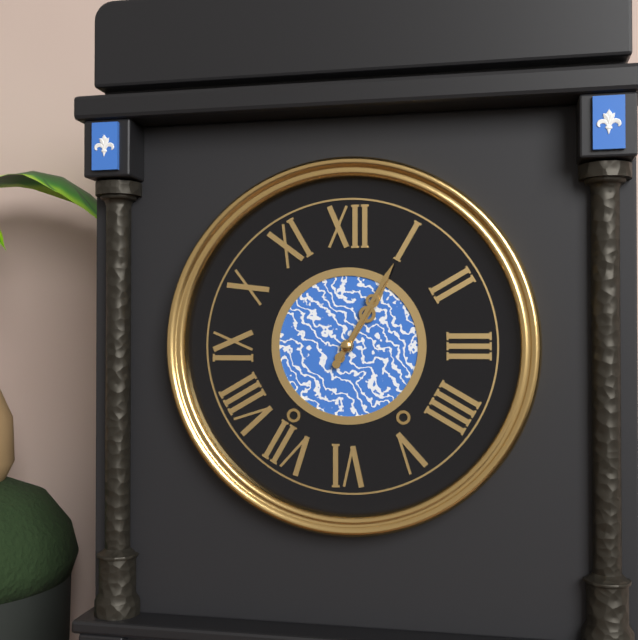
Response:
1.05
